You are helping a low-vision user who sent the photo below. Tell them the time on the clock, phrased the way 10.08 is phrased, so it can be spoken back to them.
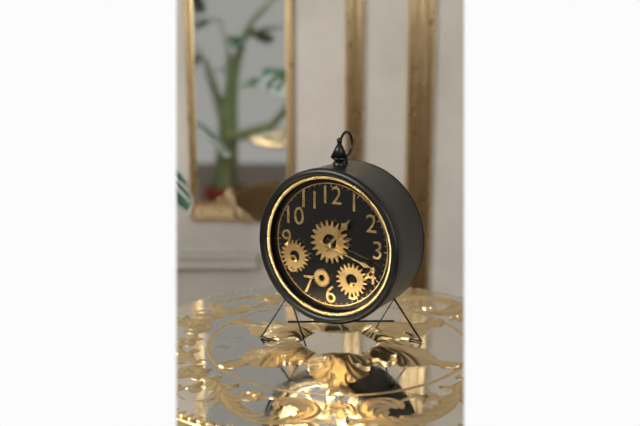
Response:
1.18
